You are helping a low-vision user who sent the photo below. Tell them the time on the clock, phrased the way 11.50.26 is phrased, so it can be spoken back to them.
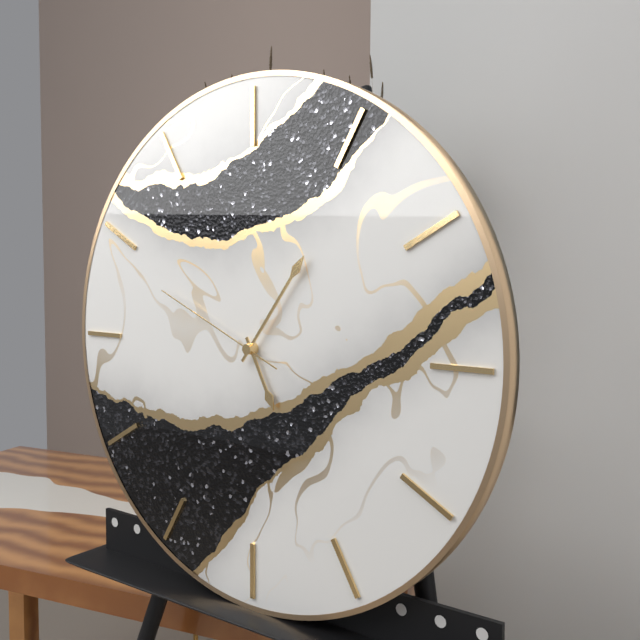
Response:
5.06.49
